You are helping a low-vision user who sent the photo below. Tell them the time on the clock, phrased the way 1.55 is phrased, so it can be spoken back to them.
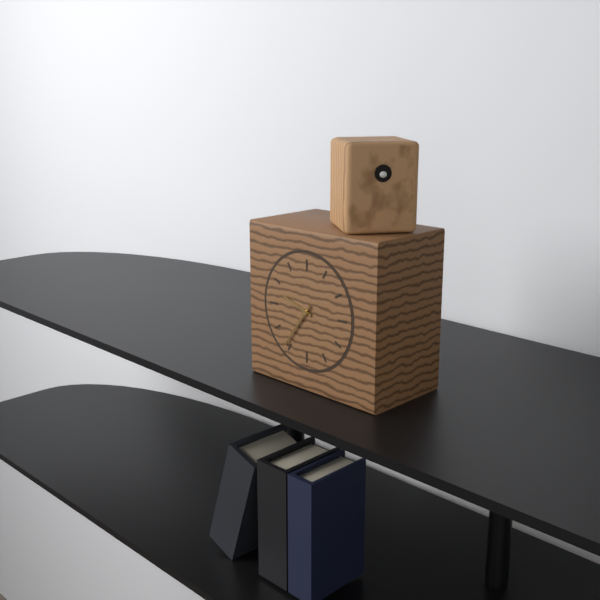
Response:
9.36
